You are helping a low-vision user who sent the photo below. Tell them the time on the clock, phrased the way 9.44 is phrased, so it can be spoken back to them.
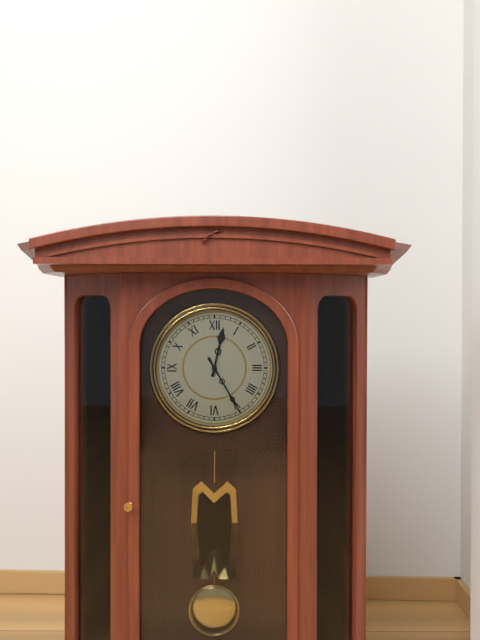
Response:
12.25
